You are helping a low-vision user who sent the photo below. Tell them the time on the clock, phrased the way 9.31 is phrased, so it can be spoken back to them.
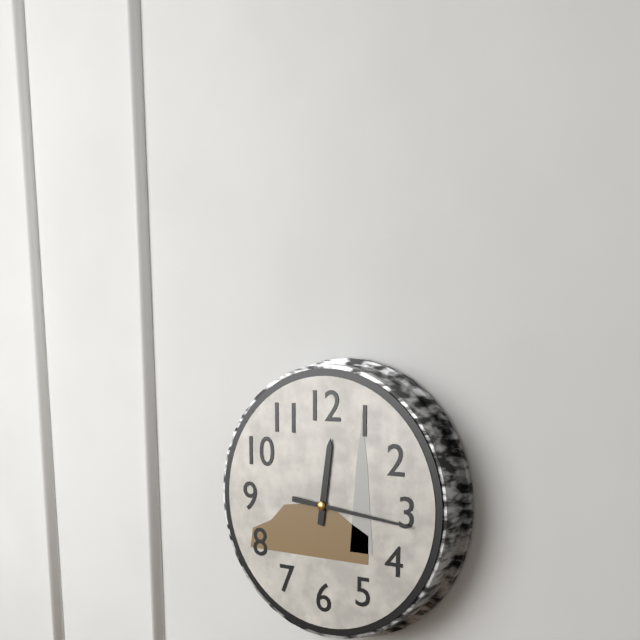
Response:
12.16
